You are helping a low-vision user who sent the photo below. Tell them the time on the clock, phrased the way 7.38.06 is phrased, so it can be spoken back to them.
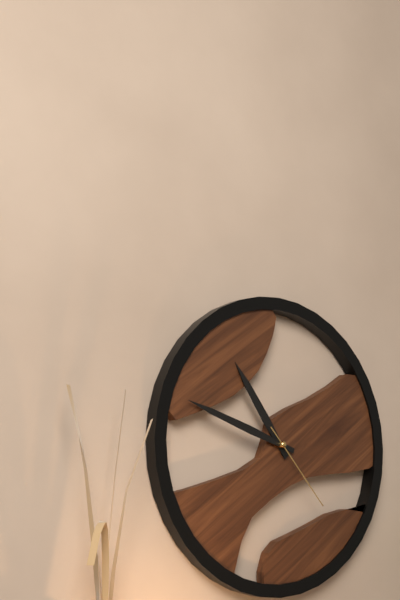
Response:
10.48.23
